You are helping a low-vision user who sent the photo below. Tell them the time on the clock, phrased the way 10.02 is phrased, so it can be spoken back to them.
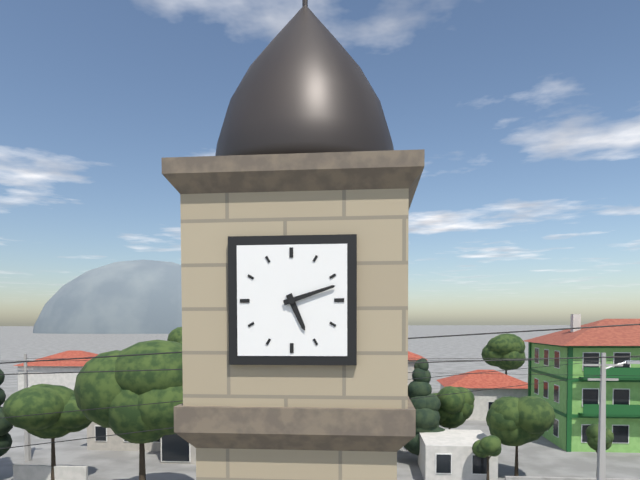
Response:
5.12
